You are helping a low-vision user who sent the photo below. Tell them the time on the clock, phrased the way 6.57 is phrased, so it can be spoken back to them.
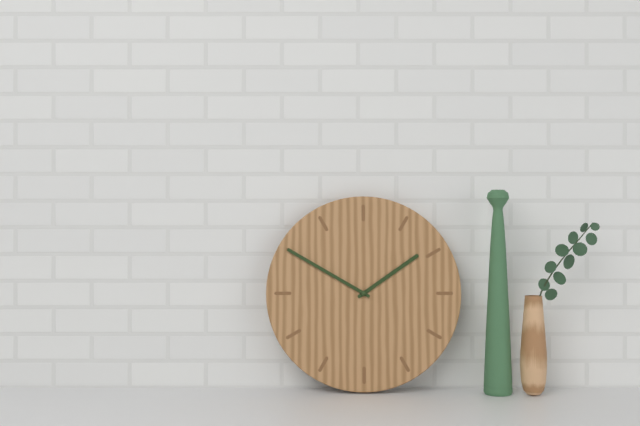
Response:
1.50
